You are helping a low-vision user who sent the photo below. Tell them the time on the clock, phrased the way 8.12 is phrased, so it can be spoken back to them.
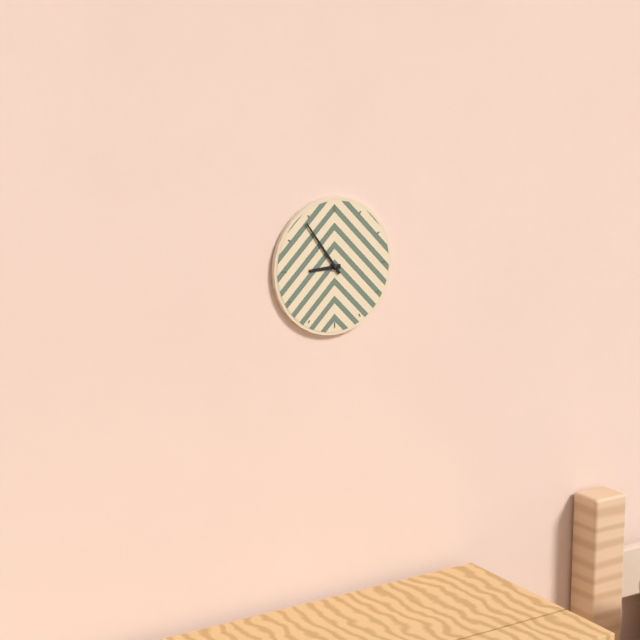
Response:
8.54
